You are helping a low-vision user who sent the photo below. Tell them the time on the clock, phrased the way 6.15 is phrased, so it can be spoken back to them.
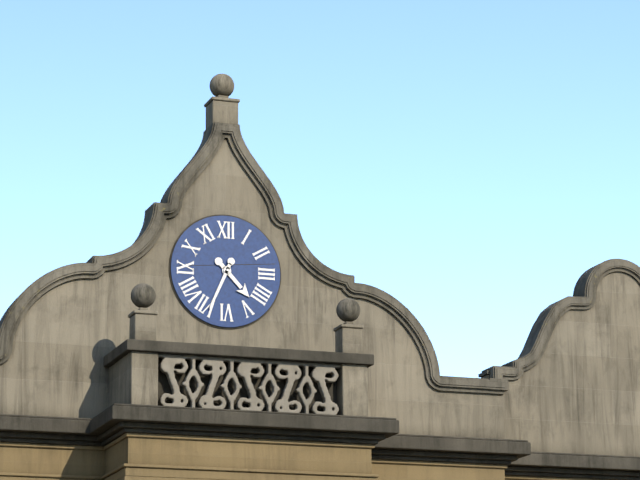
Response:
4.34
